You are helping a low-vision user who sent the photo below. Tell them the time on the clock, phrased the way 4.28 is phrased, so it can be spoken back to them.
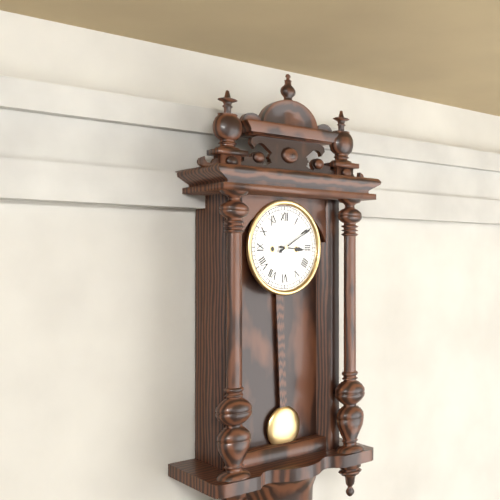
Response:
3.10
